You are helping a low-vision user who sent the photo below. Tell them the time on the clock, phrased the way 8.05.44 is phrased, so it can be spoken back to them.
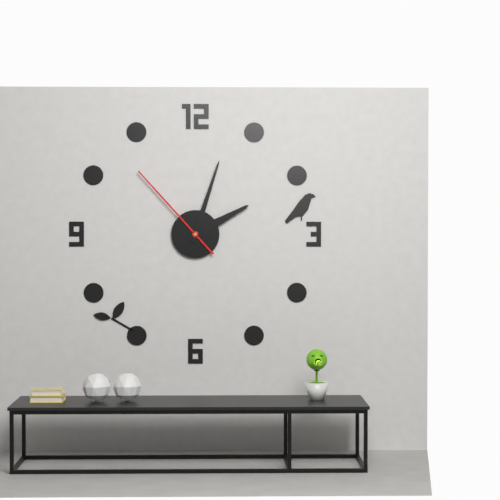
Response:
2.03.53
